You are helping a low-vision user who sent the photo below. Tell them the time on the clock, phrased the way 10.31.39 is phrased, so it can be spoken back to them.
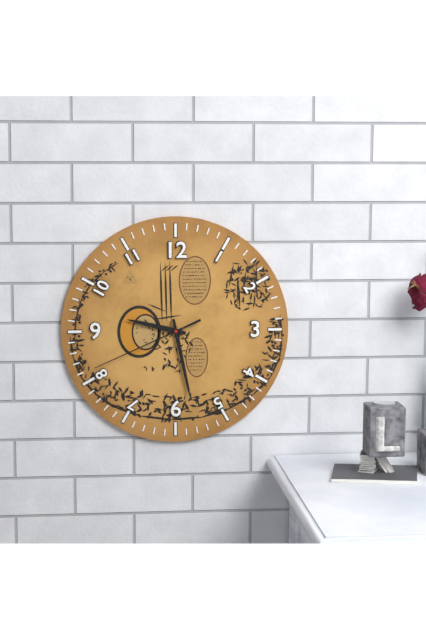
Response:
9.28.41
